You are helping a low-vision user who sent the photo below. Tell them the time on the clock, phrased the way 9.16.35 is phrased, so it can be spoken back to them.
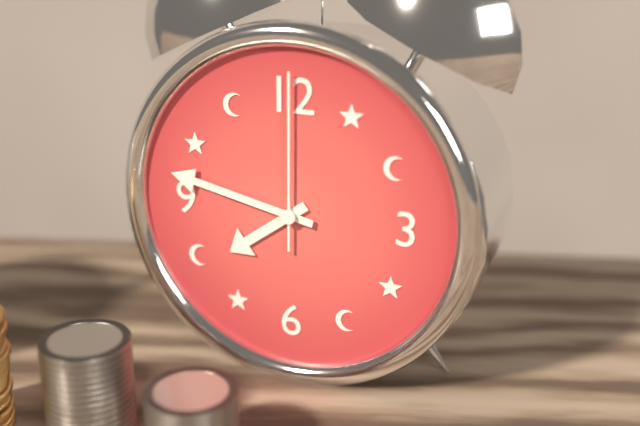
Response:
7.47.00
